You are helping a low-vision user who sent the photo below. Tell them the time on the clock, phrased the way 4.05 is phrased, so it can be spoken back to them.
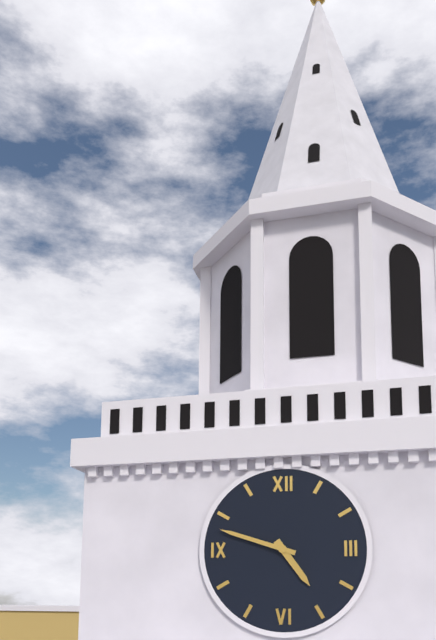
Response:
4.48
